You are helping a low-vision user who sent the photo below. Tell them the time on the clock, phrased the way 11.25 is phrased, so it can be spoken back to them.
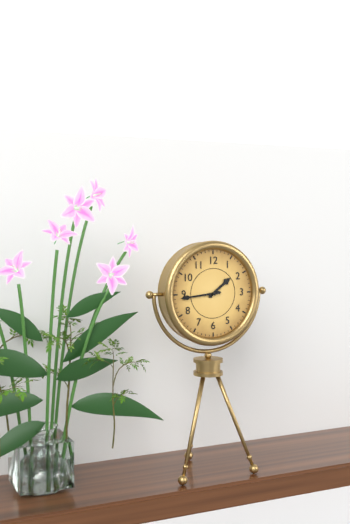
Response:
1.44
